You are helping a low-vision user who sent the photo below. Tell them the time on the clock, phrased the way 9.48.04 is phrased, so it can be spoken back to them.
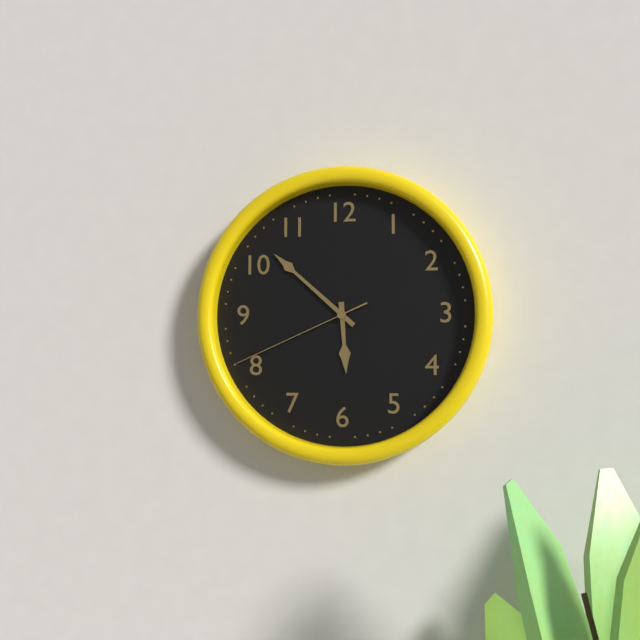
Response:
5.52.41
